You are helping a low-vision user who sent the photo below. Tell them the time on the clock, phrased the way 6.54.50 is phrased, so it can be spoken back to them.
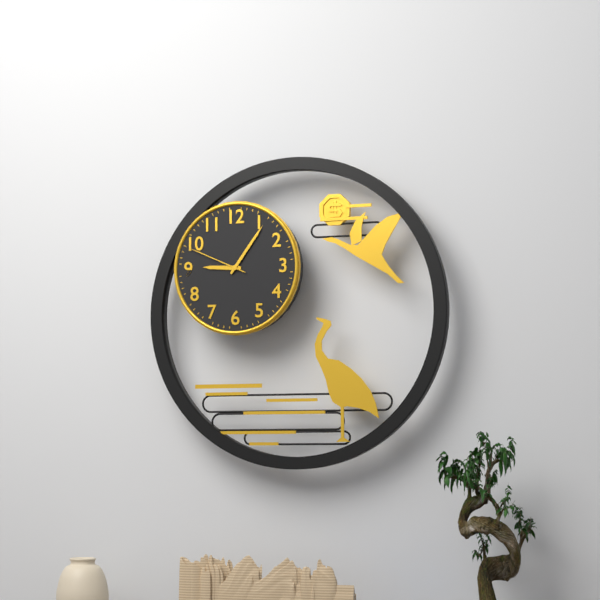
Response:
9.06.49
